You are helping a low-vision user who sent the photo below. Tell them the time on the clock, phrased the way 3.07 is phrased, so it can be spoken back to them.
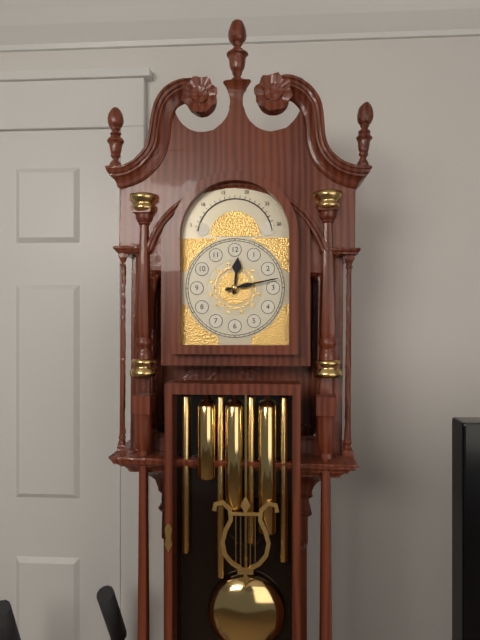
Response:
12.13
